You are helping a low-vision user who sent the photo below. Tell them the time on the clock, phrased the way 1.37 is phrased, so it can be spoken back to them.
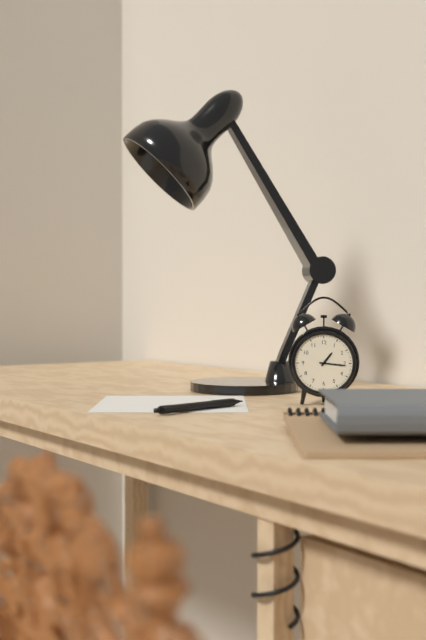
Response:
1.16
